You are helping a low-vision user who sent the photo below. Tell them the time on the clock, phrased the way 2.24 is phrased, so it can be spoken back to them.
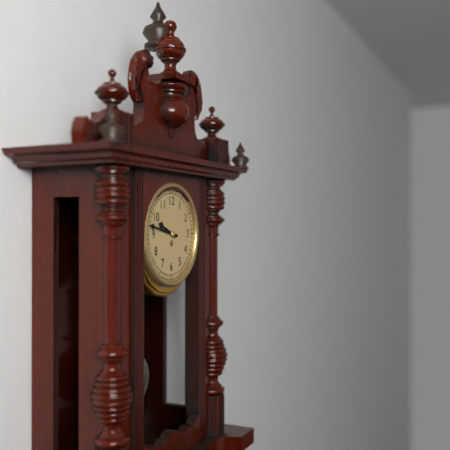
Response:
9.47
